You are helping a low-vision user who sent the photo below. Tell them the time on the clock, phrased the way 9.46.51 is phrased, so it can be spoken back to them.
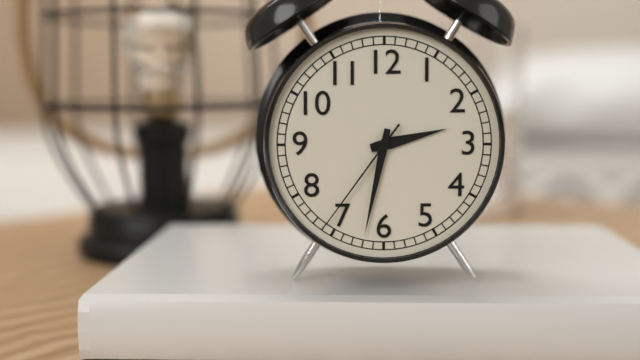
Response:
2.32.36
